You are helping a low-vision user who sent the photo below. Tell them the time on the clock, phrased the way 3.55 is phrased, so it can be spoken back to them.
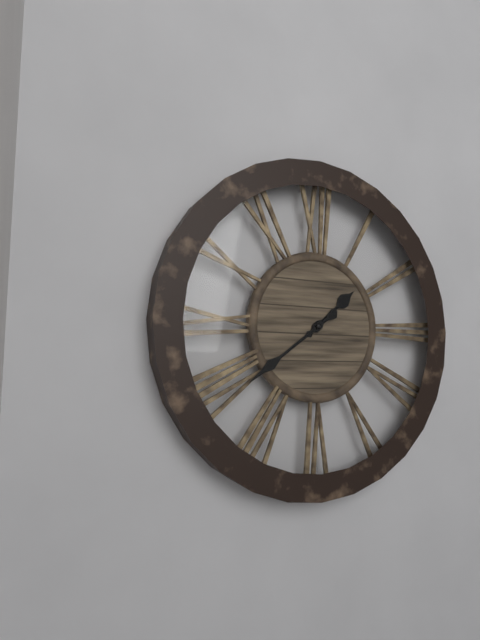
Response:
1.39
